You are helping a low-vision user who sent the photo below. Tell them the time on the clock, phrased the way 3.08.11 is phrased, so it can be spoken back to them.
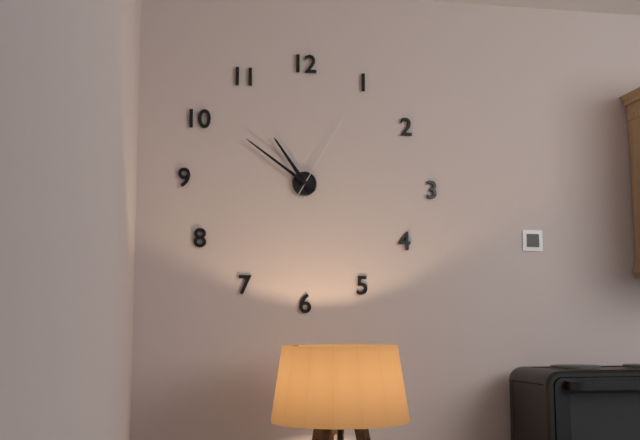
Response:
10.51.05
